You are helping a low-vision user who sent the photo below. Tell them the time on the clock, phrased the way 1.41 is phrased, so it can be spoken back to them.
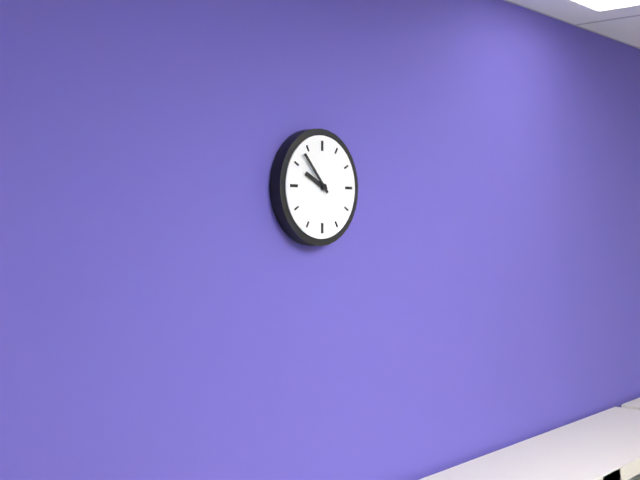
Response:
9.53
